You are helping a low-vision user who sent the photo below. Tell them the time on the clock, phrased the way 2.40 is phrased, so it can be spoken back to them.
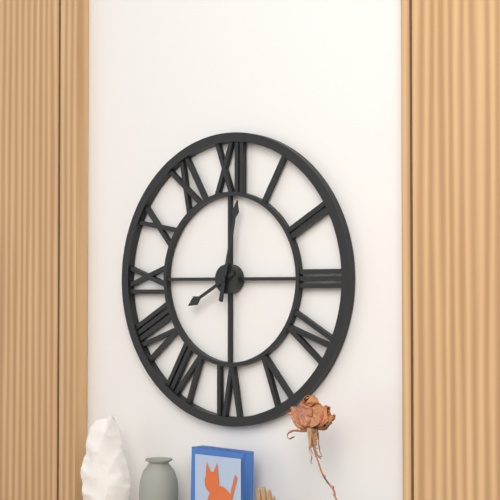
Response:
8.02
